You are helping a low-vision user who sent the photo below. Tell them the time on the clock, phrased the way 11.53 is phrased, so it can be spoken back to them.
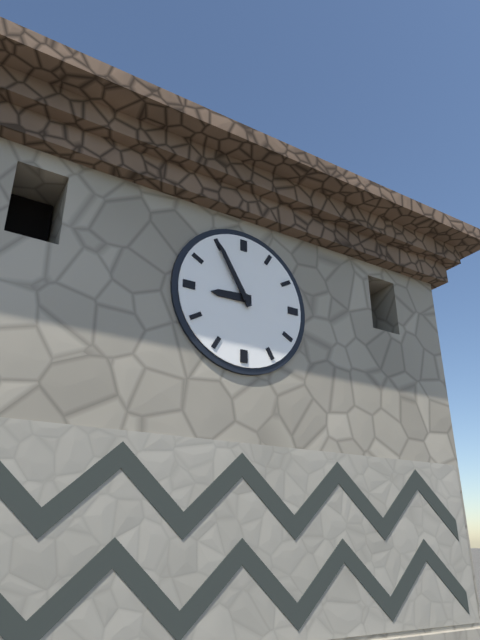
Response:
8.55
